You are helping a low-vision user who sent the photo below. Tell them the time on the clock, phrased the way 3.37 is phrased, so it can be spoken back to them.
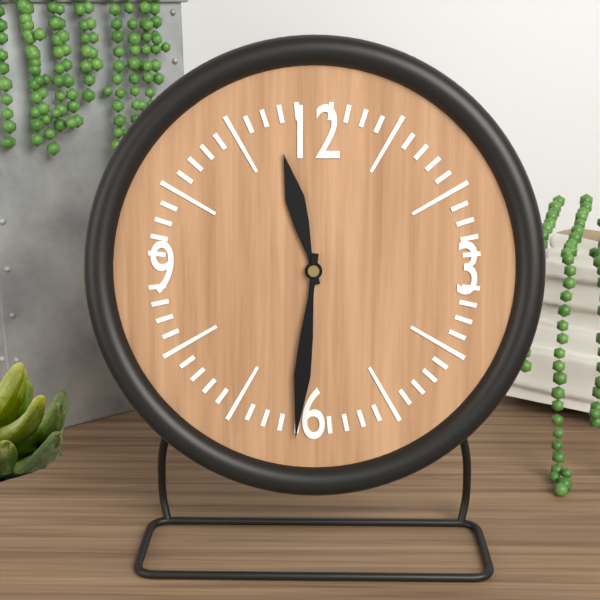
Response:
11.31
